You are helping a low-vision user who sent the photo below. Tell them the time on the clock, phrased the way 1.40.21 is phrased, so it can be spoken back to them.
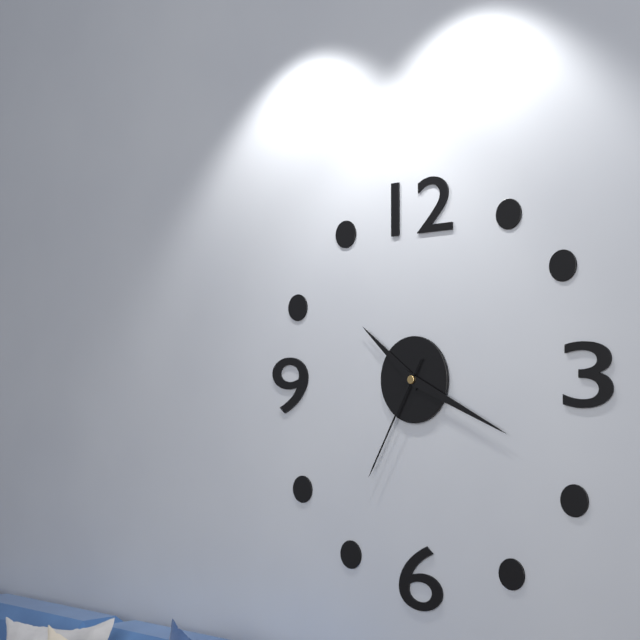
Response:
10.19.35
